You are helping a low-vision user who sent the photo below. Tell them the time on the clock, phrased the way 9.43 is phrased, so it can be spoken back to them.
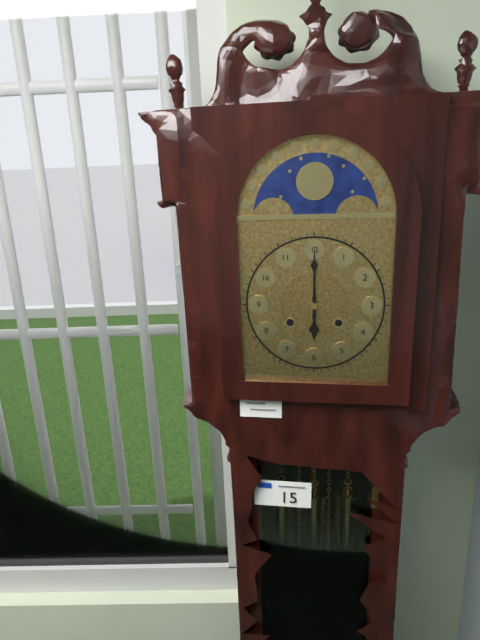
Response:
6.00
